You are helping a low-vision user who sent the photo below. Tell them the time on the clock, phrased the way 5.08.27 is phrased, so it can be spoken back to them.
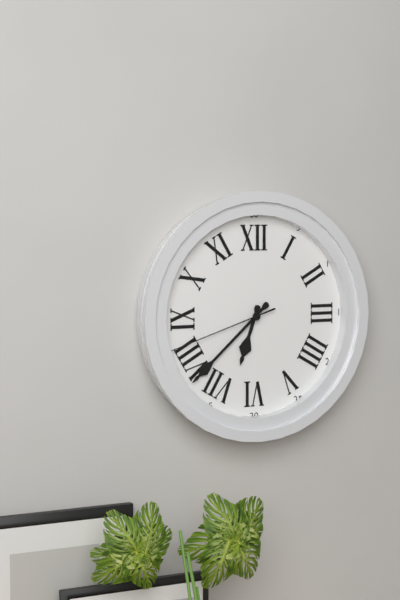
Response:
6.38.42
